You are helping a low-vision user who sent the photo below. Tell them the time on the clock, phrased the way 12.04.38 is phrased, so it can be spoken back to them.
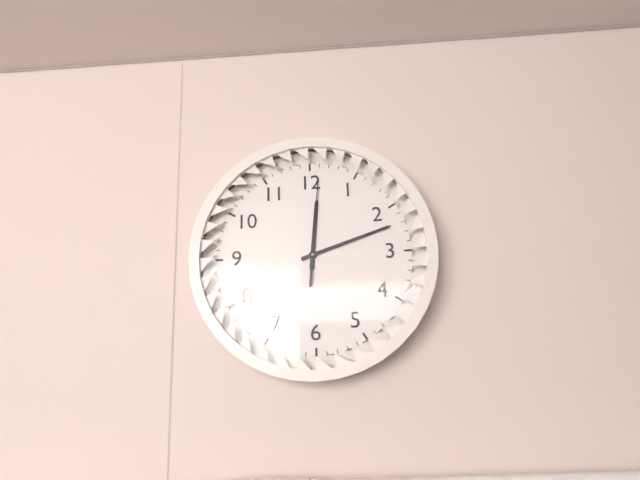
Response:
12.12.01
